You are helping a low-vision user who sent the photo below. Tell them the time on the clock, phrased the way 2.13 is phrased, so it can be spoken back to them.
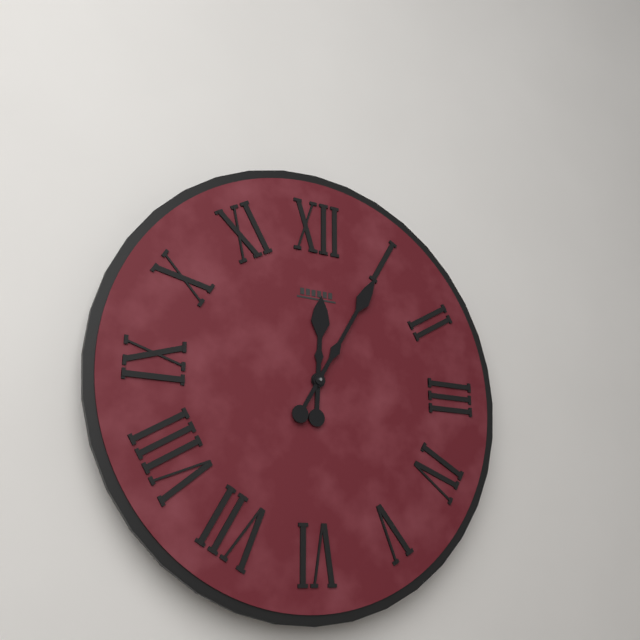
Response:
12.05
